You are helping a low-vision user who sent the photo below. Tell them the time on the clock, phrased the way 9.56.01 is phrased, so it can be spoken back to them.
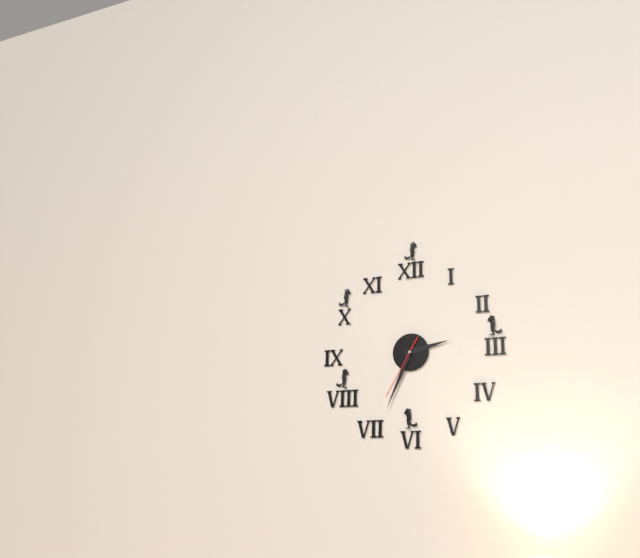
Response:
2.34.35
